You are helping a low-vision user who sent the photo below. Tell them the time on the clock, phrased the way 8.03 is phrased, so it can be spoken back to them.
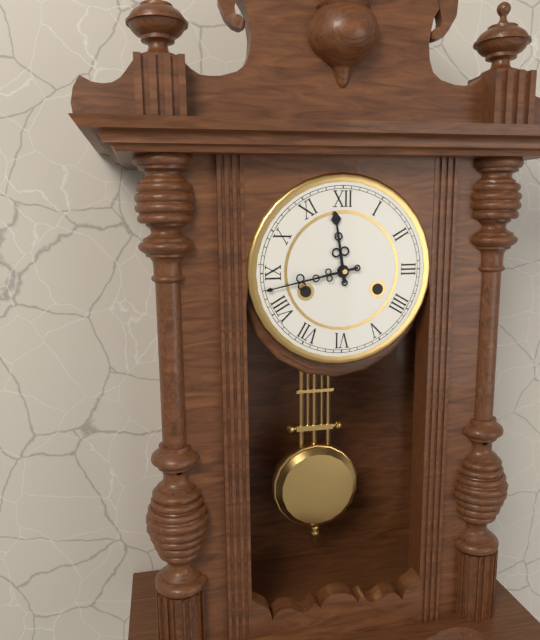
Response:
11.43
